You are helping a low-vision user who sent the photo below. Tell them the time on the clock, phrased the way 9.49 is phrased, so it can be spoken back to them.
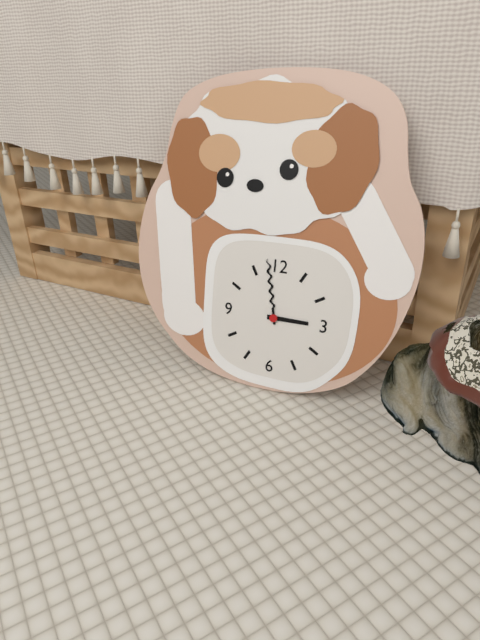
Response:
2.58
